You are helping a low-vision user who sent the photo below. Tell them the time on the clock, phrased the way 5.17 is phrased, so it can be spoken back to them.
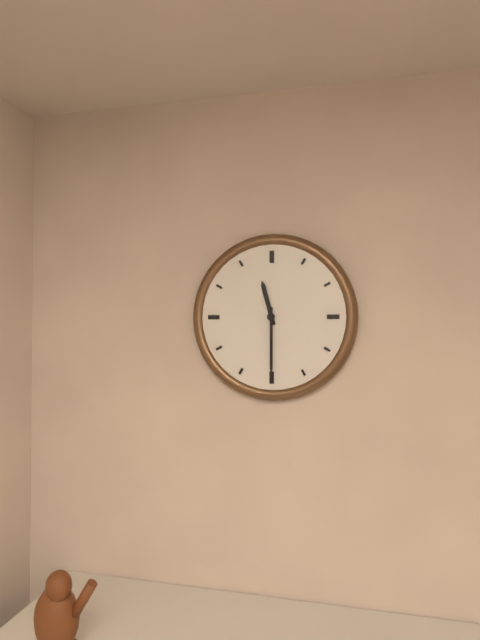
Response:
11.30
